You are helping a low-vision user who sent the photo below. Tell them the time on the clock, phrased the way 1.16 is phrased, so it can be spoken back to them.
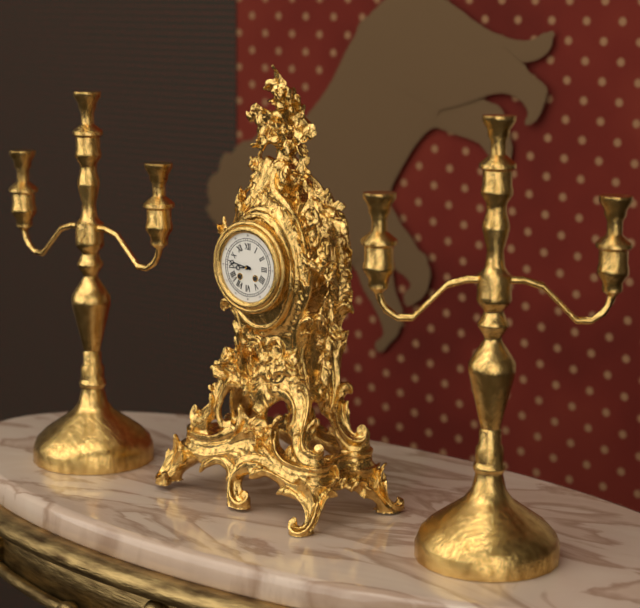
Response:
8.47
